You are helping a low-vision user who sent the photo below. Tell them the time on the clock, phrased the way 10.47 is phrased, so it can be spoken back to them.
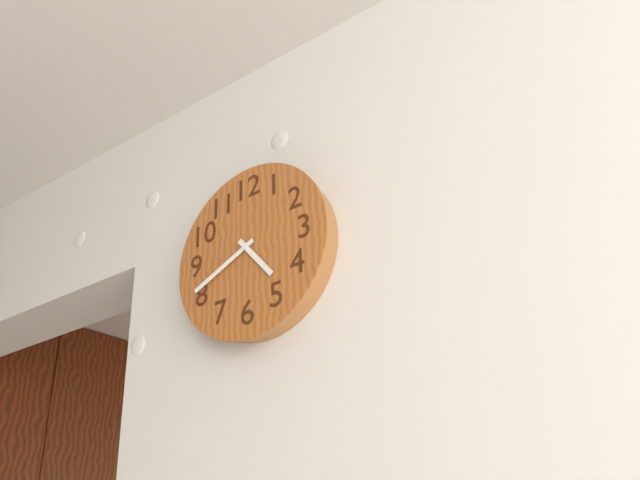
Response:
4.41
